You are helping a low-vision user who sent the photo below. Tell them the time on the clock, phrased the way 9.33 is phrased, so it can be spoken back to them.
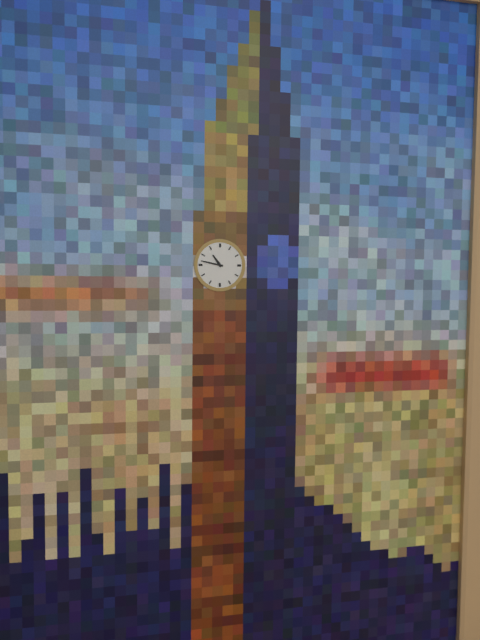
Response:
10.47
